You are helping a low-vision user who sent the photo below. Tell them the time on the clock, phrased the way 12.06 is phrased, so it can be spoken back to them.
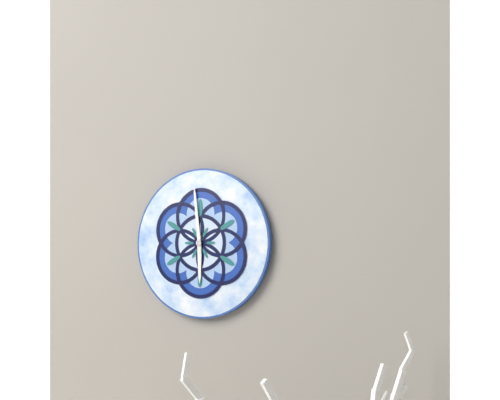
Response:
5.59
